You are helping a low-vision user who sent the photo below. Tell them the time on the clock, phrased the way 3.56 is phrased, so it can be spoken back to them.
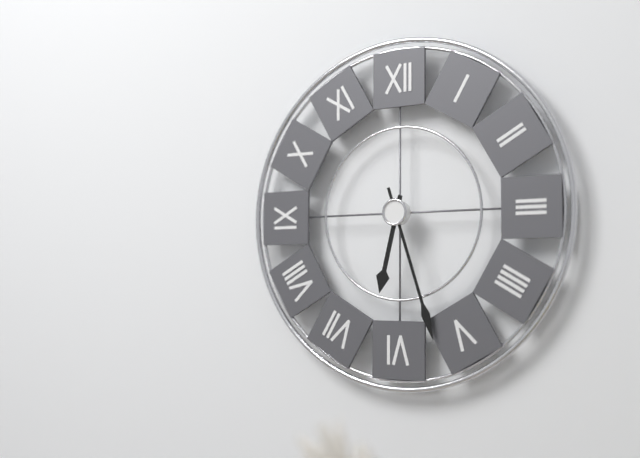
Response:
6.27
